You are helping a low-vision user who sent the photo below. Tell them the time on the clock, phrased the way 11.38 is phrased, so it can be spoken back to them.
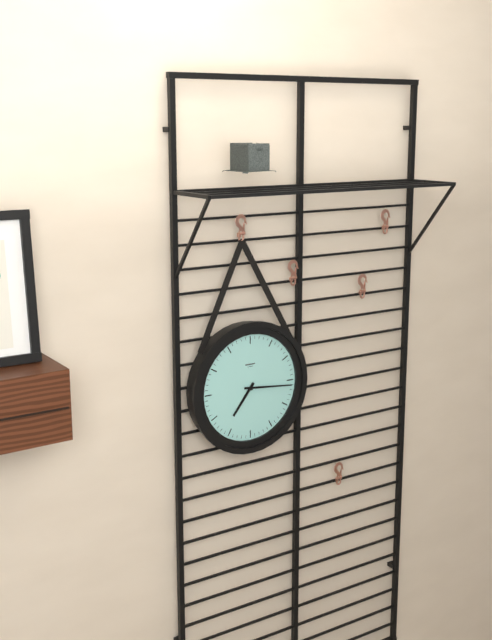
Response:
7.16
